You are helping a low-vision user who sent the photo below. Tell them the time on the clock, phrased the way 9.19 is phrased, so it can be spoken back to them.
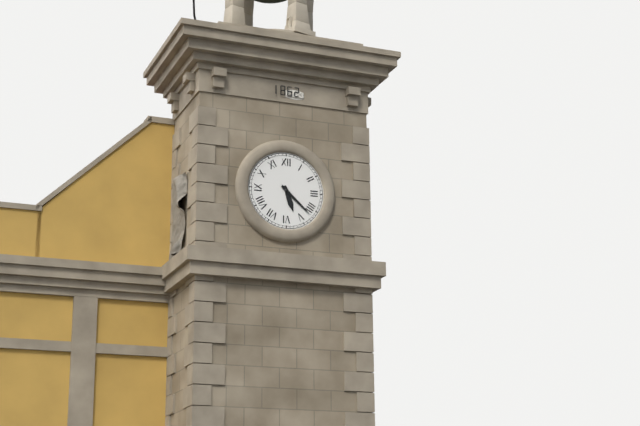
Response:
5.22
